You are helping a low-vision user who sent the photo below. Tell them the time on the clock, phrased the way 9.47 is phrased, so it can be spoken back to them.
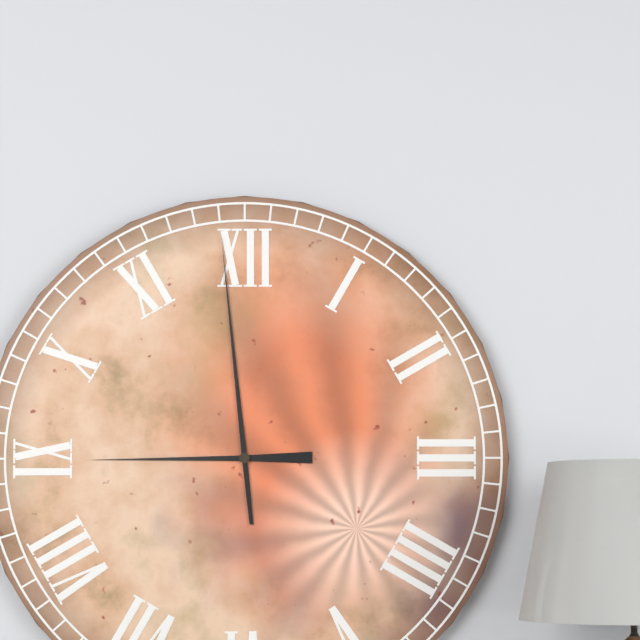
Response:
8.59
